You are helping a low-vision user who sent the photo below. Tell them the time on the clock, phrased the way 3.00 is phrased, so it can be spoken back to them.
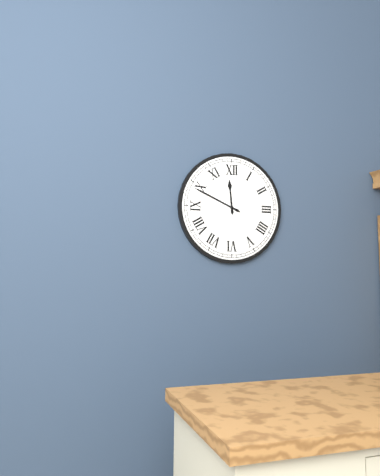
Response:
11.49
